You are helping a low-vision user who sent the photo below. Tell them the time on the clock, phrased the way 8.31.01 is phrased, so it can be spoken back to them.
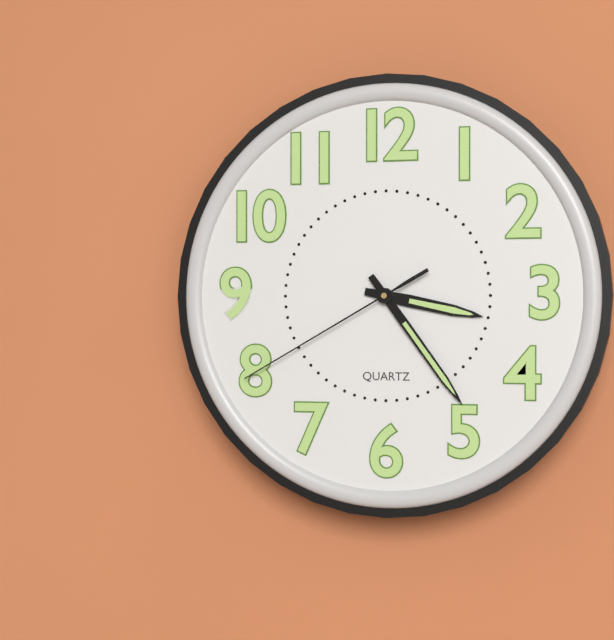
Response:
3.24.40
